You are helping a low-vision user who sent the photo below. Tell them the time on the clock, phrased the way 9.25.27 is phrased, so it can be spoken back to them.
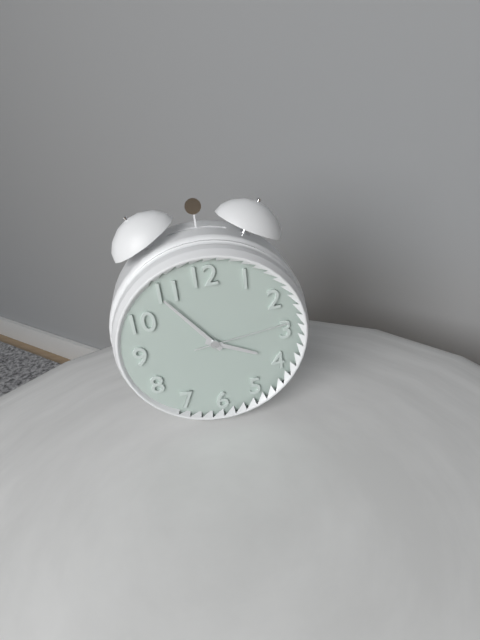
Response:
3.54.14
